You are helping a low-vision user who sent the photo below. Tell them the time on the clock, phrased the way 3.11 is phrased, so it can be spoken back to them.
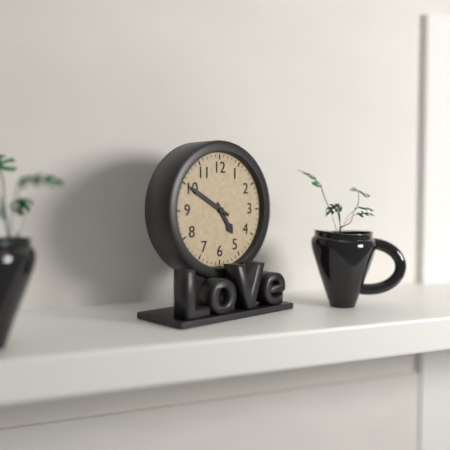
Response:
4.50
